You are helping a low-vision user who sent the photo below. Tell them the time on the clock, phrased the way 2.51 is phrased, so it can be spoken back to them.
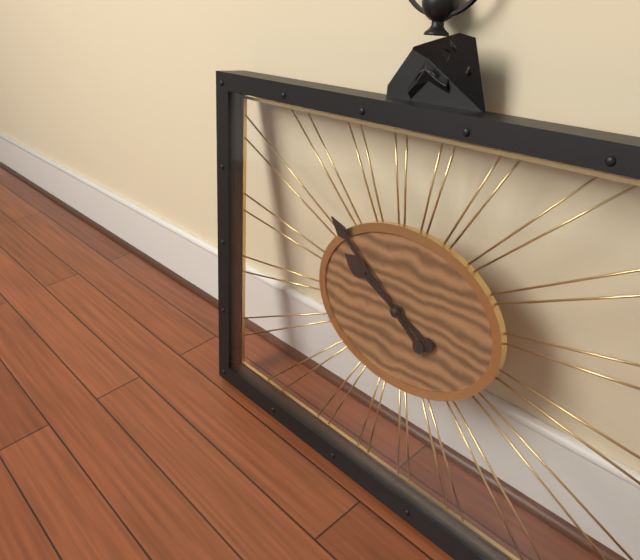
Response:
9.51
